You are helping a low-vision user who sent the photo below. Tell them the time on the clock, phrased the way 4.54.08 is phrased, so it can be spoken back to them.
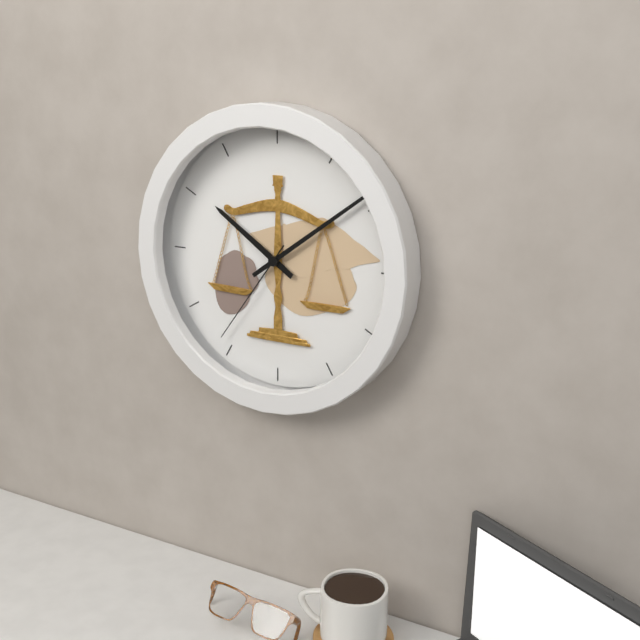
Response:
10.09.36
